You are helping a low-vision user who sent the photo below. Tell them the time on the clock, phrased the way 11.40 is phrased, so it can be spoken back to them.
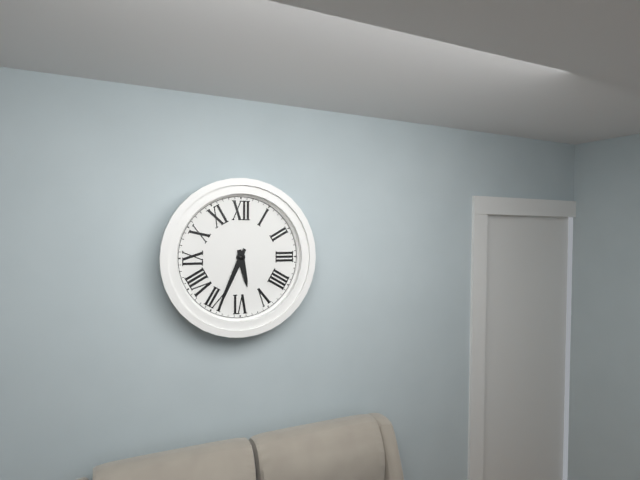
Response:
5.34
